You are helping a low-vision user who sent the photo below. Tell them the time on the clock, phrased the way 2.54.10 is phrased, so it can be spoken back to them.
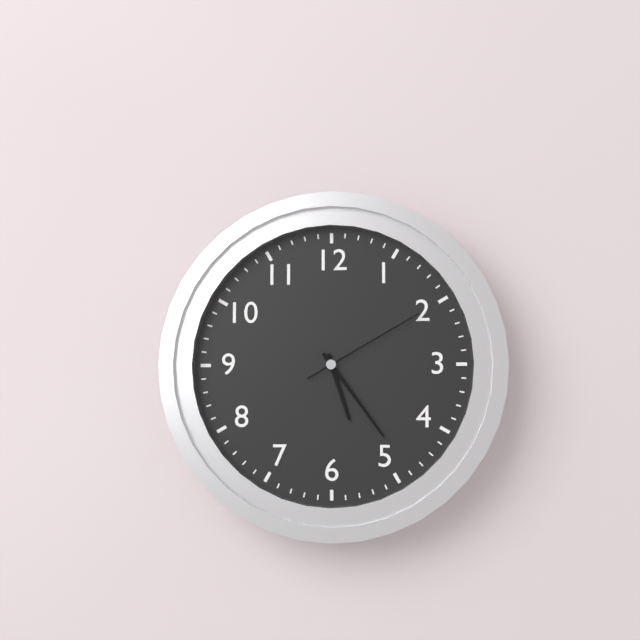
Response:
5.24.10
